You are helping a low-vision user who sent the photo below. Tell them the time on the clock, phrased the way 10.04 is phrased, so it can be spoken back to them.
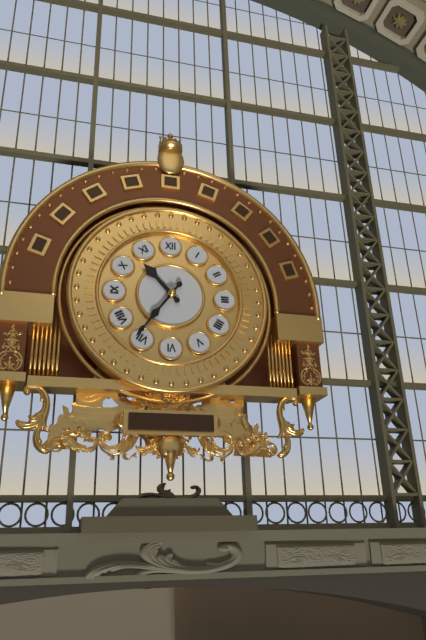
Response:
10.36
